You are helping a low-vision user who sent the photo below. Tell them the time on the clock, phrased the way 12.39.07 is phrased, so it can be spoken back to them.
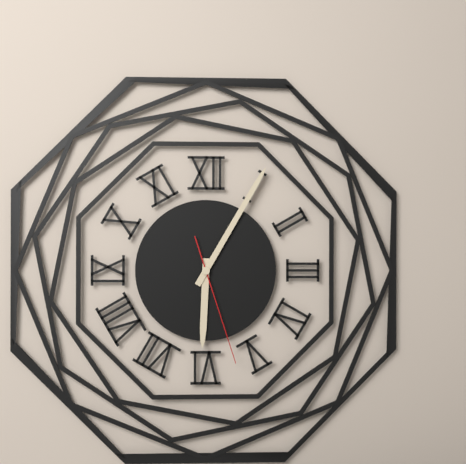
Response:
6.05.27
